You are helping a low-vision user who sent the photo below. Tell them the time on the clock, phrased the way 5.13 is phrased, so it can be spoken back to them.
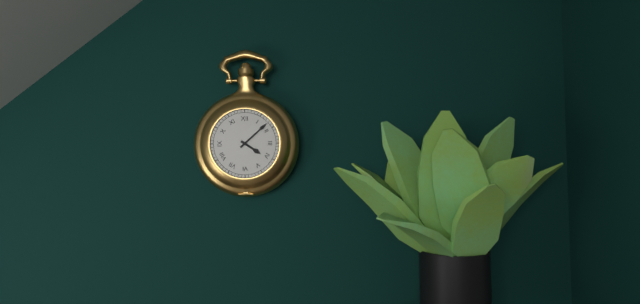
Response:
4.08
